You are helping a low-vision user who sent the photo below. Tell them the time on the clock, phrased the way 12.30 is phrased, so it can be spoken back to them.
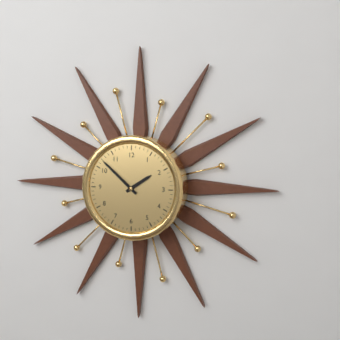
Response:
1.52
